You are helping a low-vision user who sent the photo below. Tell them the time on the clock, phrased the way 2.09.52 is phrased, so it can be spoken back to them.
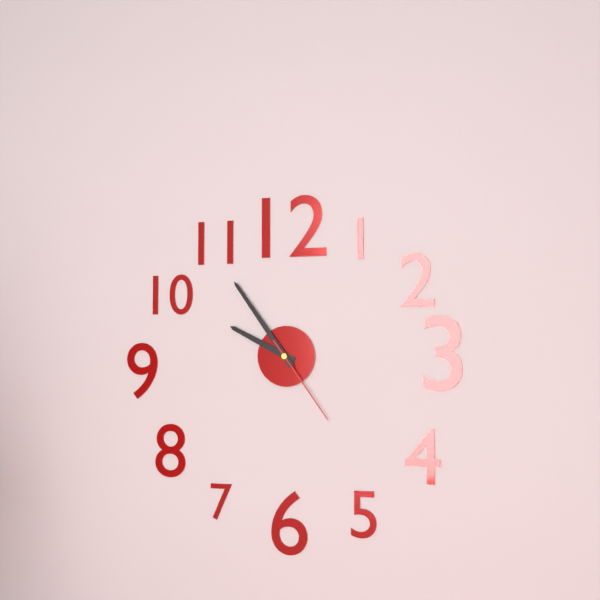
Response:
9.54.24
